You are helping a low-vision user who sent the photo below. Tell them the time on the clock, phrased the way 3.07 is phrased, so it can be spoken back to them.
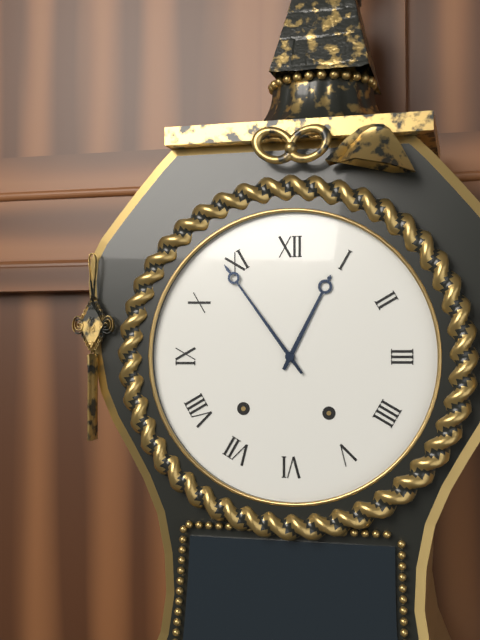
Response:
12.54
